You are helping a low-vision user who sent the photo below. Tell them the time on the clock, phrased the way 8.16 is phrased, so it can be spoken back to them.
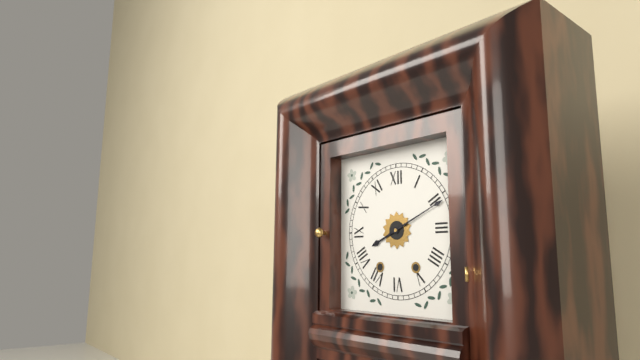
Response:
8.11
